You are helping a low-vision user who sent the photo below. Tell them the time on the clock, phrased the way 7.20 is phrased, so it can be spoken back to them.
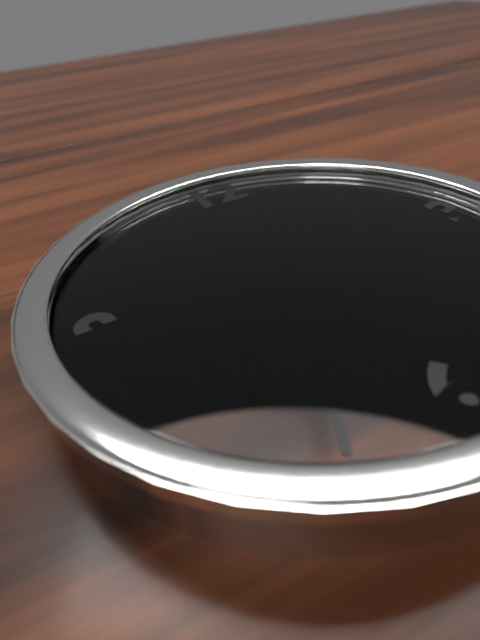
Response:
2.34
